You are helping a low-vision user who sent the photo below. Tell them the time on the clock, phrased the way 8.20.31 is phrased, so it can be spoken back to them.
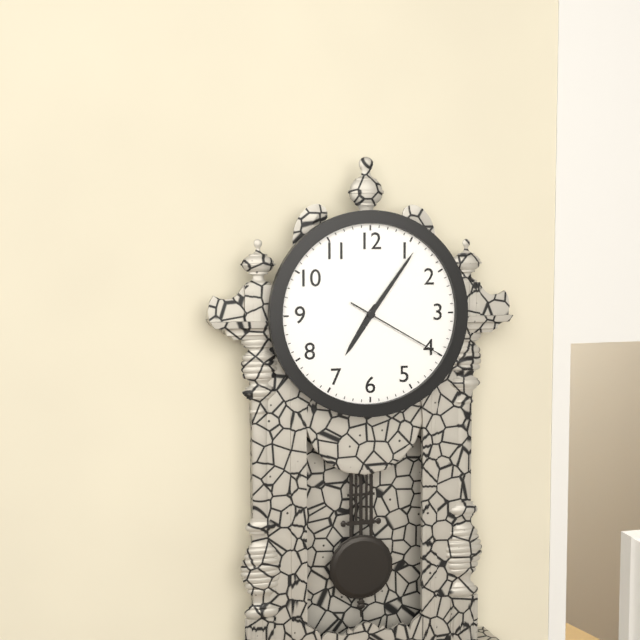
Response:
7.06.20
